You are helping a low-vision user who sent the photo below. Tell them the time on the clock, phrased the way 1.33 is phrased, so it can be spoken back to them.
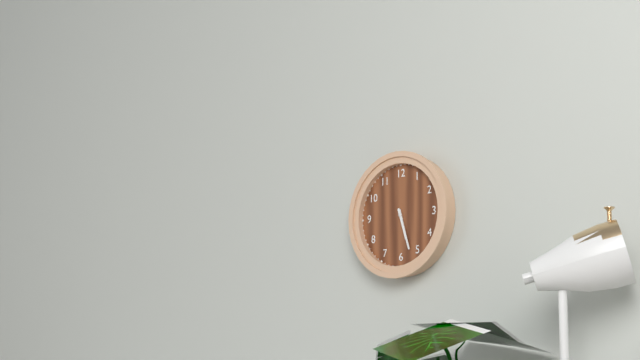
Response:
5.27
